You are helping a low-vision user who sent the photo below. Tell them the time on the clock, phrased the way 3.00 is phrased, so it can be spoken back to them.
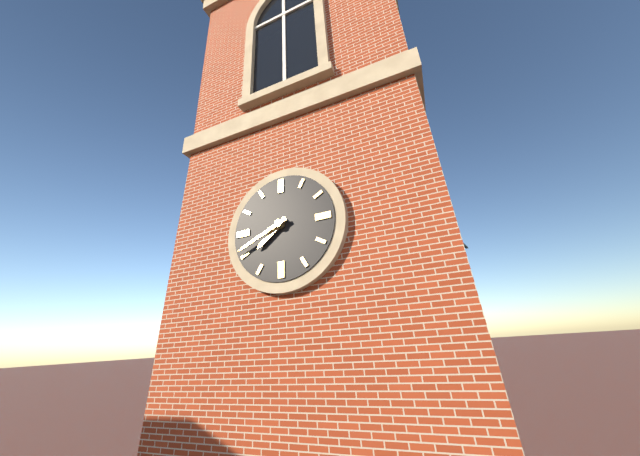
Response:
7.41
